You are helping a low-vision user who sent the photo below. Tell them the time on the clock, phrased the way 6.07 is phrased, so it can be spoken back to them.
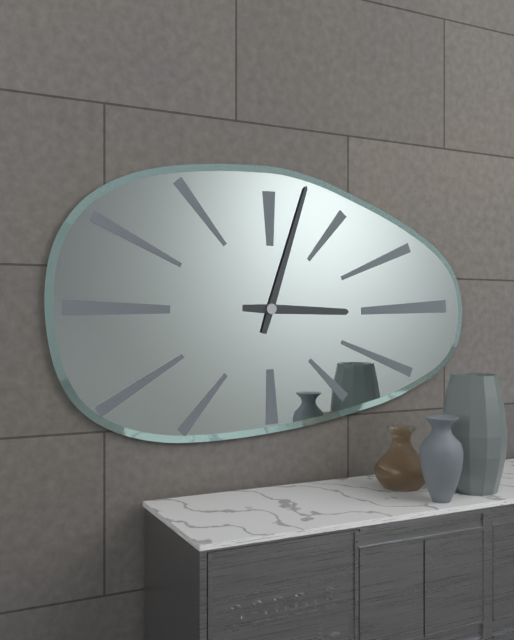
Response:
3.03
